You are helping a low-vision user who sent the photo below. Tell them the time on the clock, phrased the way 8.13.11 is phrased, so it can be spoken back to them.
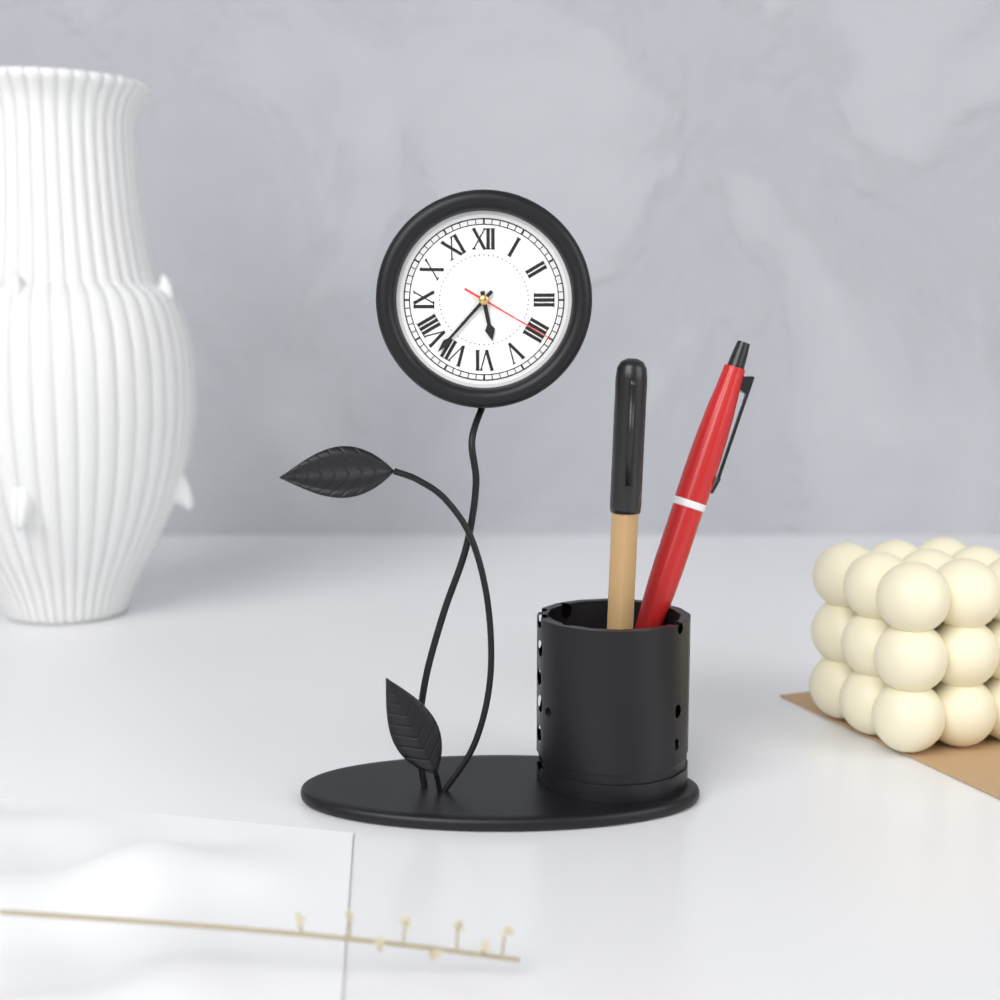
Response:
5.37.20
